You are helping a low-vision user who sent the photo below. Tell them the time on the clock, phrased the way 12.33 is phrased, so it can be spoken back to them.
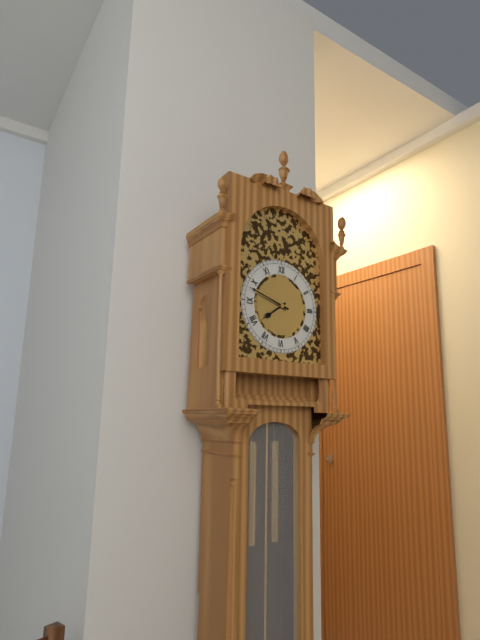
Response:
7.48
